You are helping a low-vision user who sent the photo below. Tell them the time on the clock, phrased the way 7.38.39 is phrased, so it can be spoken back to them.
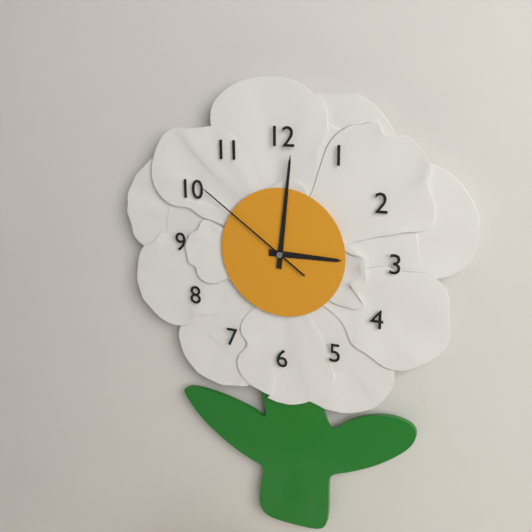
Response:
3.01.51
